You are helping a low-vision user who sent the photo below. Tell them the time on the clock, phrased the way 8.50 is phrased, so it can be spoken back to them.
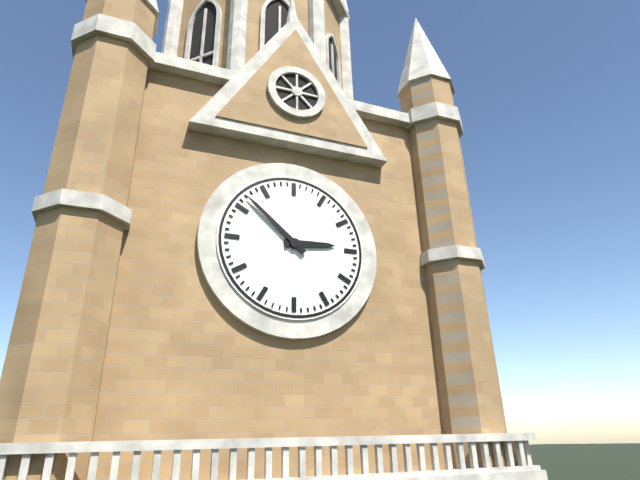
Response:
2.52
